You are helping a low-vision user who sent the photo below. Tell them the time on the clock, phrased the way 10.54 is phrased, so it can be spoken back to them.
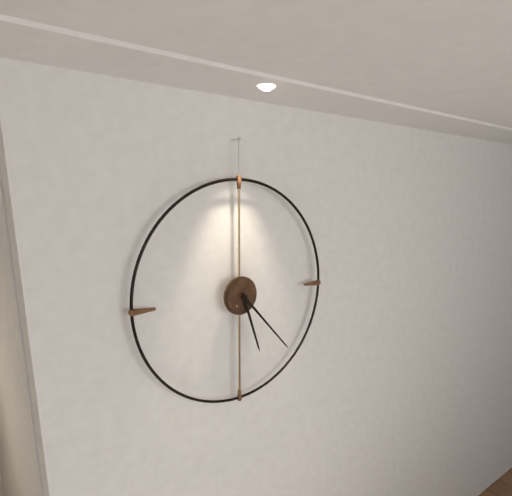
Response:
5.23
